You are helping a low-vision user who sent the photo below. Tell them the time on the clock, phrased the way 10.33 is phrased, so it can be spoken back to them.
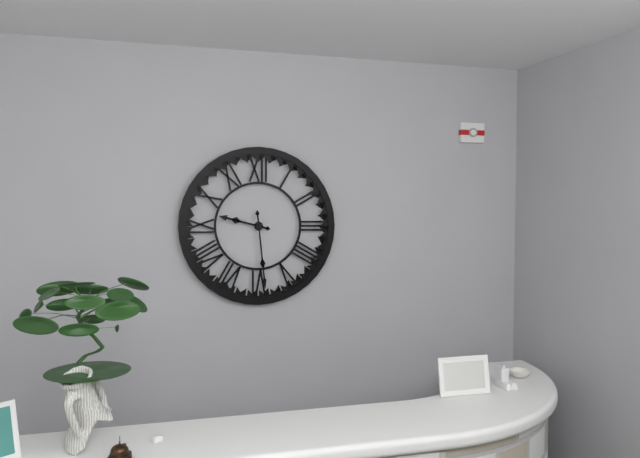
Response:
9.29
